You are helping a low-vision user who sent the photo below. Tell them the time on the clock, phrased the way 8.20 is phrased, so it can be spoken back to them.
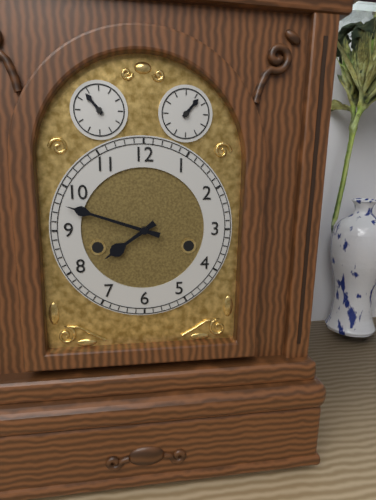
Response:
7.48
